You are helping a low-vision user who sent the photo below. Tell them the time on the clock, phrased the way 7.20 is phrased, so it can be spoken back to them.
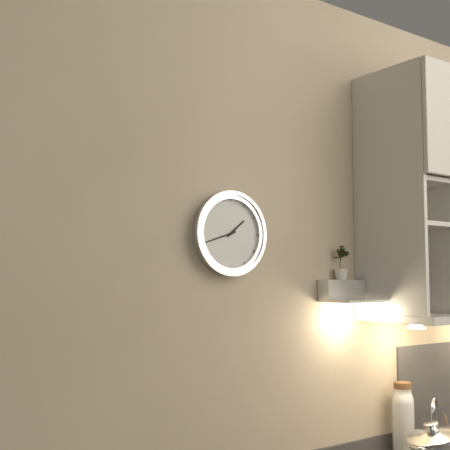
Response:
1.42
